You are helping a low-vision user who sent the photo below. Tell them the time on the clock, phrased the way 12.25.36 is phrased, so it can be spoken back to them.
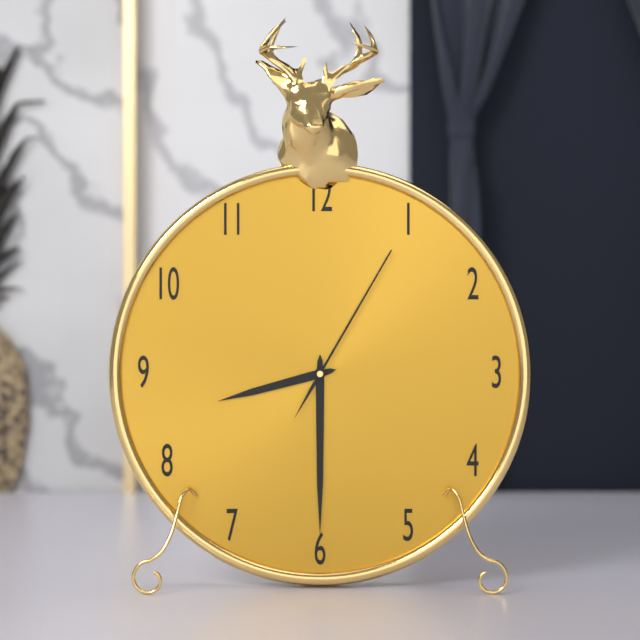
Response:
8.30.05
